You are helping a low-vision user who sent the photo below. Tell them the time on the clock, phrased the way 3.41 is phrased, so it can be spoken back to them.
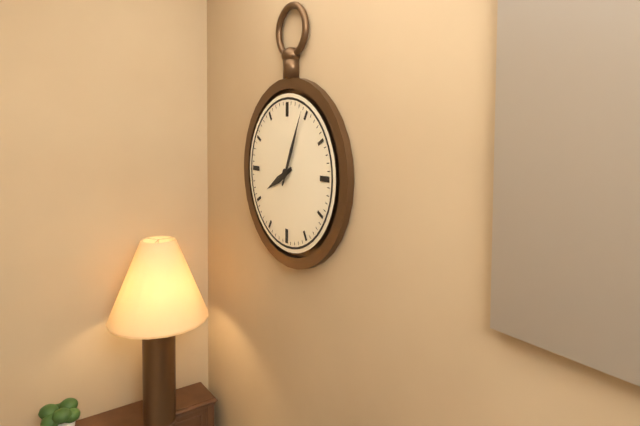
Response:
8.04
